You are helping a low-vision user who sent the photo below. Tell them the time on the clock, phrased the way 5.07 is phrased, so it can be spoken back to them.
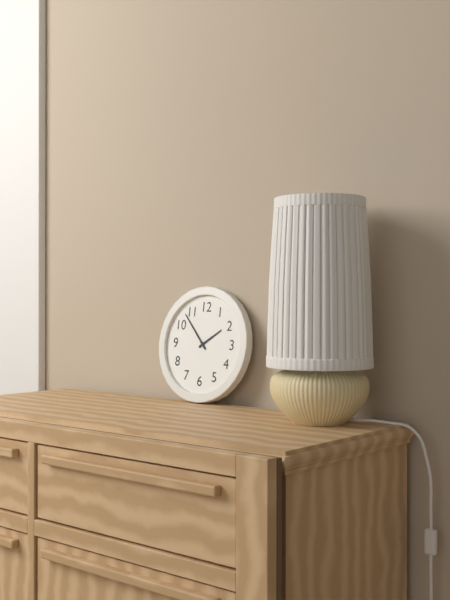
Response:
1.53
